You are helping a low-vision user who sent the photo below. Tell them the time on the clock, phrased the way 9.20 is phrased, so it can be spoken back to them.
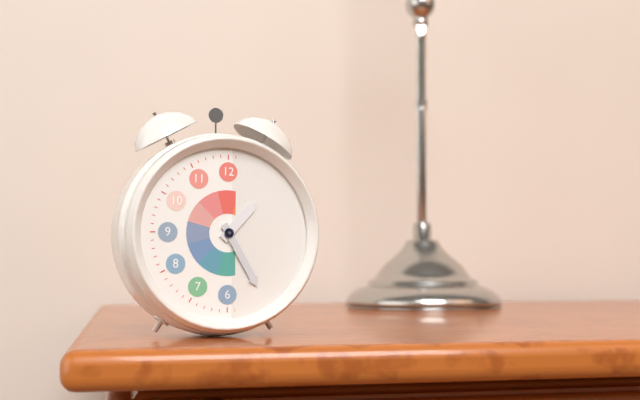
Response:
1.25
